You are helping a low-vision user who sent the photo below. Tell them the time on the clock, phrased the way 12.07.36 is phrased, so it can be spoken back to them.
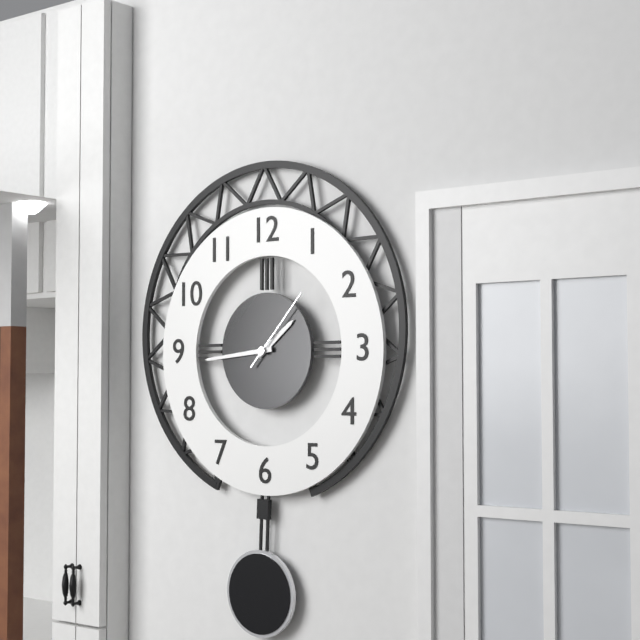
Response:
1.44.07
